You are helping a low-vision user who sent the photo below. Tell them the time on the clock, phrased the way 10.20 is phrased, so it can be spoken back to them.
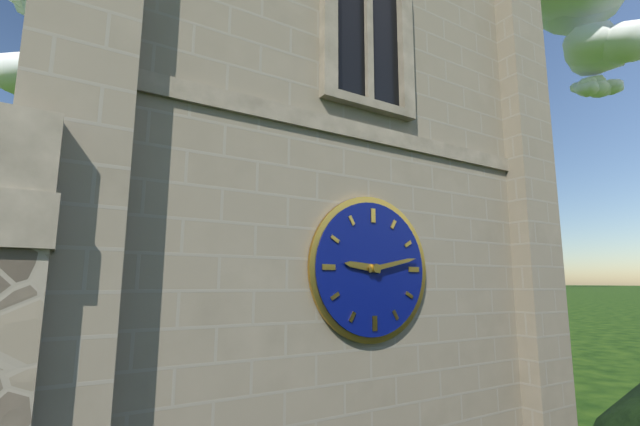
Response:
9.13
